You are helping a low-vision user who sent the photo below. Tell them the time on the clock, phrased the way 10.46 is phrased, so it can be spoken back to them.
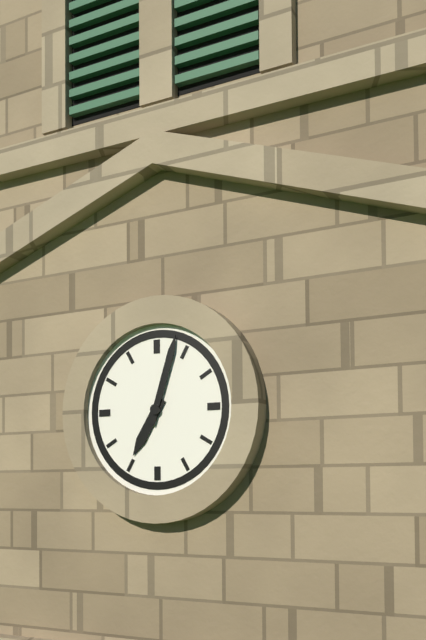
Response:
7.03
